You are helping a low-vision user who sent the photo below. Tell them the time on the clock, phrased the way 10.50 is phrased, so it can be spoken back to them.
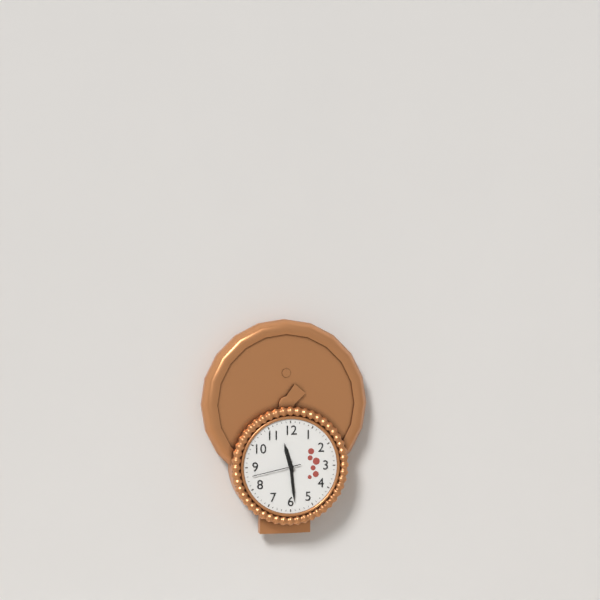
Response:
11.29
